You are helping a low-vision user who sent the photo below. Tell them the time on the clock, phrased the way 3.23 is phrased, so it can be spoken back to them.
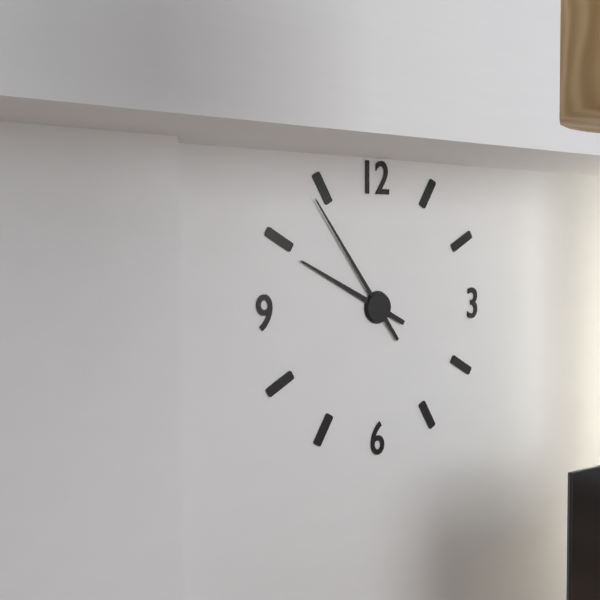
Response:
9.54
